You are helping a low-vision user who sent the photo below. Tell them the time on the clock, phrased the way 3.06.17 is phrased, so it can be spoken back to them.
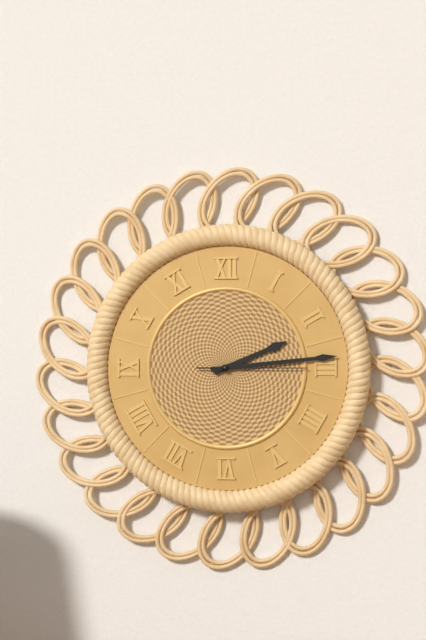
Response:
2.14.15
